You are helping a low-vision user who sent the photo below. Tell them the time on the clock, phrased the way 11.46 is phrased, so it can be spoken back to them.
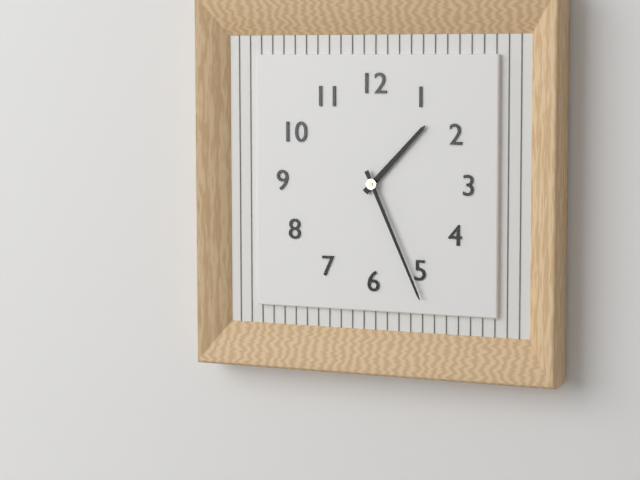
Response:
1.26
